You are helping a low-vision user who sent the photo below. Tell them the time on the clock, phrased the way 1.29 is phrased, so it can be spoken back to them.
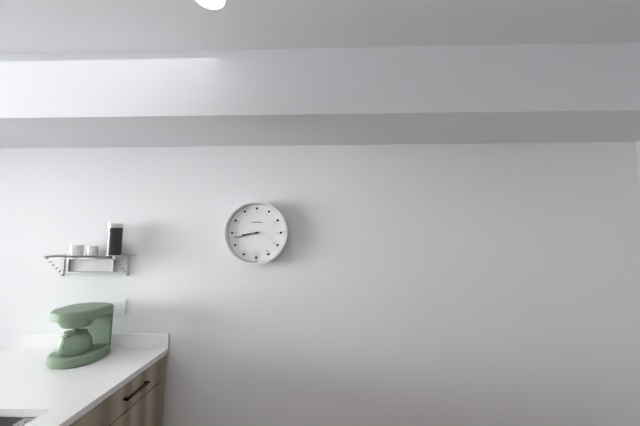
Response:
8.43
